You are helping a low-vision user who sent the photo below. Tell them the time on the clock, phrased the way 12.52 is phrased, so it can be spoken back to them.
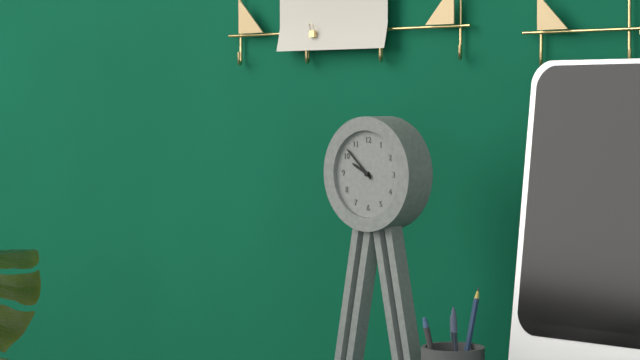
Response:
9.52
